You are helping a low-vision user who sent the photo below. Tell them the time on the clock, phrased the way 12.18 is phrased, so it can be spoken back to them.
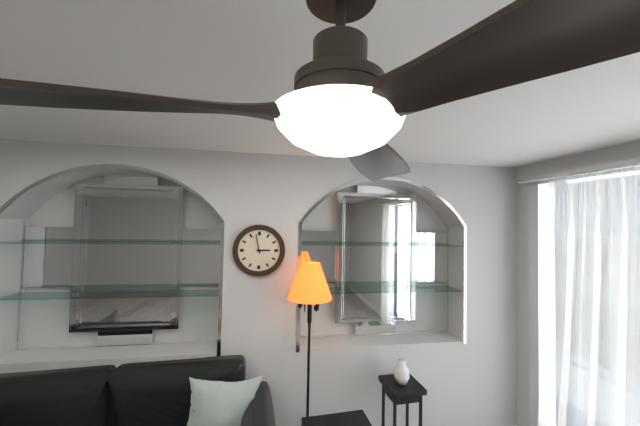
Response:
2.58
